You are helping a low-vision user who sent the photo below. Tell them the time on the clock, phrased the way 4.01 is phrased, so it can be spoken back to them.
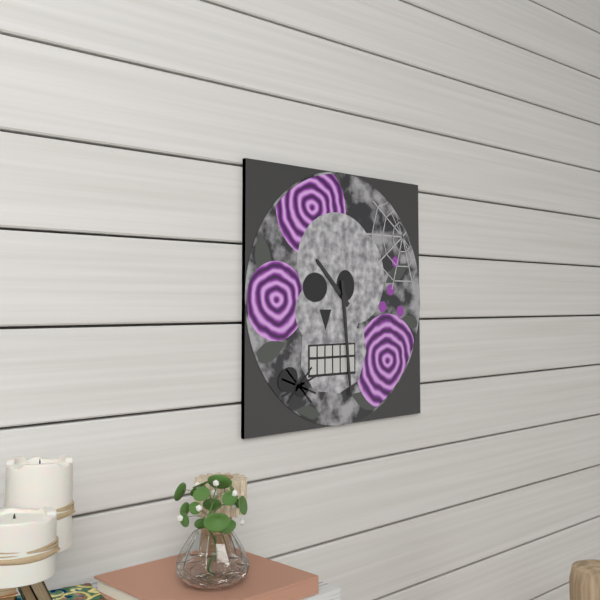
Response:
10.29
